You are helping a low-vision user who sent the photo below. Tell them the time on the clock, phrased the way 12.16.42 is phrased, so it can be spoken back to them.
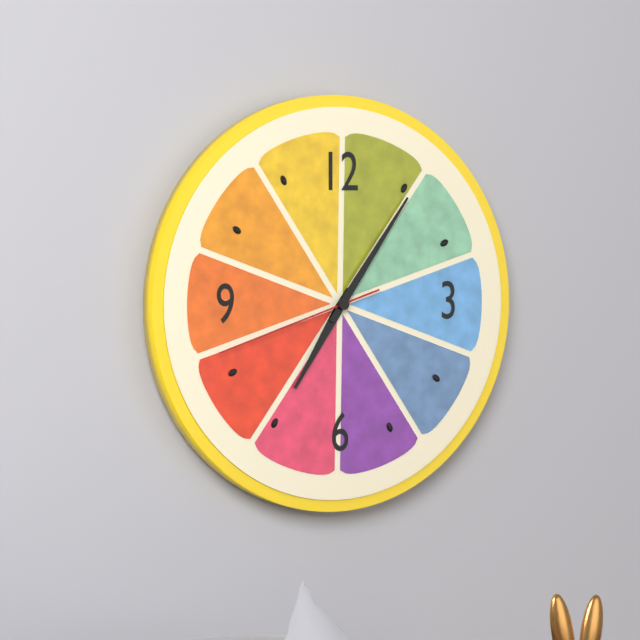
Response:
7.06.42
